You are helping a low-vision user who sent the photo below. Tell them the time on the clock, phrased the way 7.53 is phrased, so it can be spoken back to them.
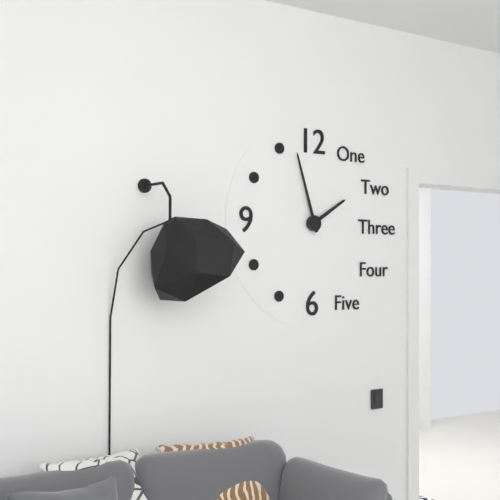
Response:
1.57
